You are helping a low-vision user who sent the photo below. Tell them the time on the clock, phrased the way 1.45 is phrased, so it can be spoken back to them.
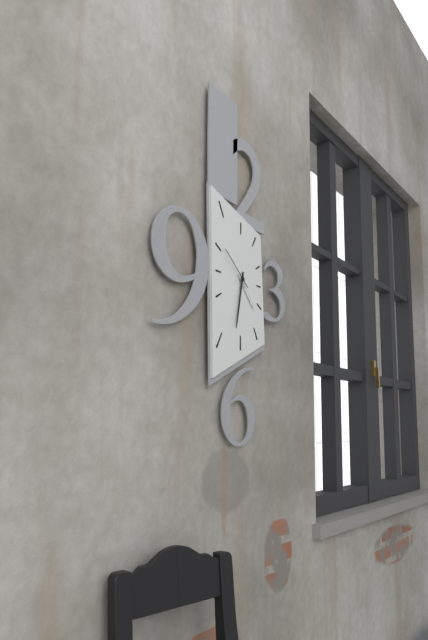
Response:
4.32
